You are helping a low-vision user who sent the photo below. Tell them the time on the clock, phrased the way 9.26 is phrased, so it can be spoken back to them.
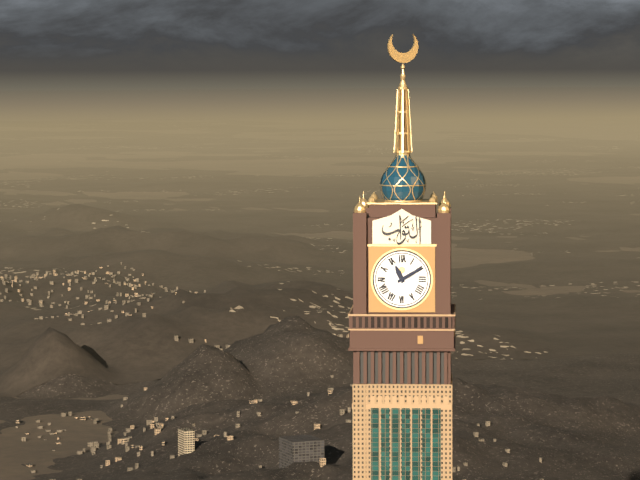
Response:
11.10
